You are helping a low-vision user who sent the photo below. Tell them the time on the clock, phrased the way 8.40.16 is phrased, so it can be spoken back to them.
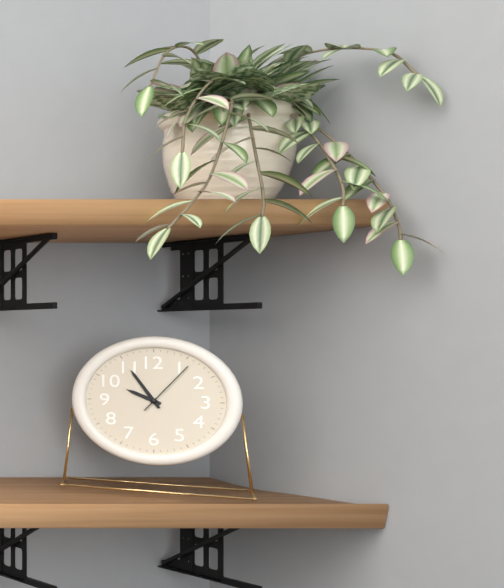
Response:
9.55.06
